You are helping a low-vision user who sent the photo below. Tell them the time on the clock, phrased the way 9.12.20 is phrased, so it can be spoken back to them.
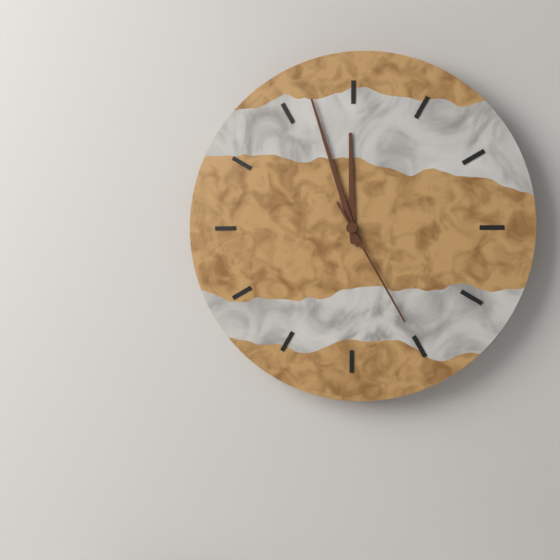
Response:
11.57.25
